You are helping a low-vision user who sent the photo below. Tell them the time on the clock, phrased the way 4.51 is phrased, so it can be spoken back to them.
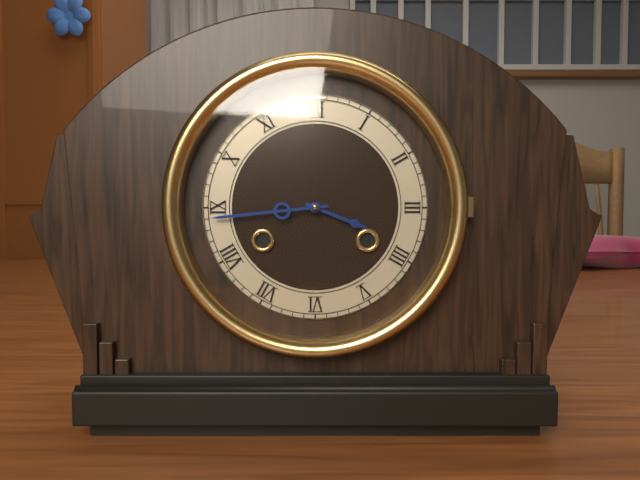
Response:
3.44
